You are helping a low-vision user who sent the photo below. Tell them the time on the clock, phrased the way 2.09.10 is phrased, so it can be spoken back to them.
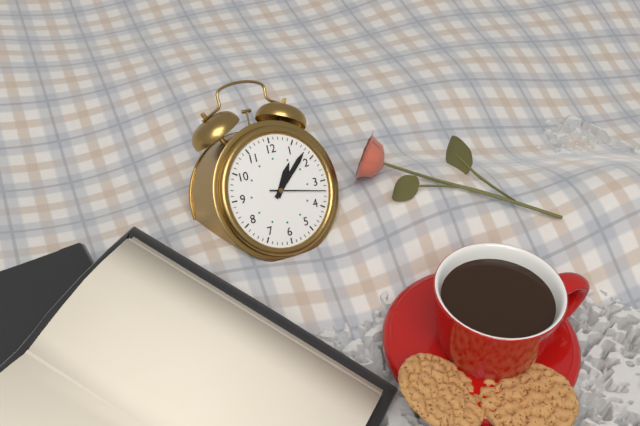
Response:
1.08.17
